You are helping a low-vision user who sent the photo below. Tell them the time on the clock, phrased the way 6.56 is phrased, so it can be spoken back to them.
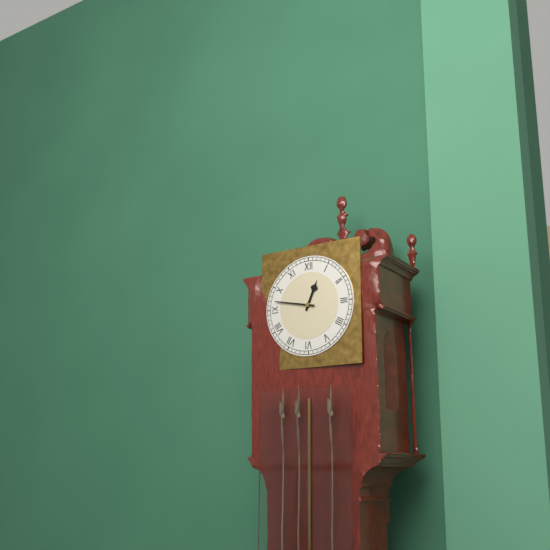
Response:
12.47
